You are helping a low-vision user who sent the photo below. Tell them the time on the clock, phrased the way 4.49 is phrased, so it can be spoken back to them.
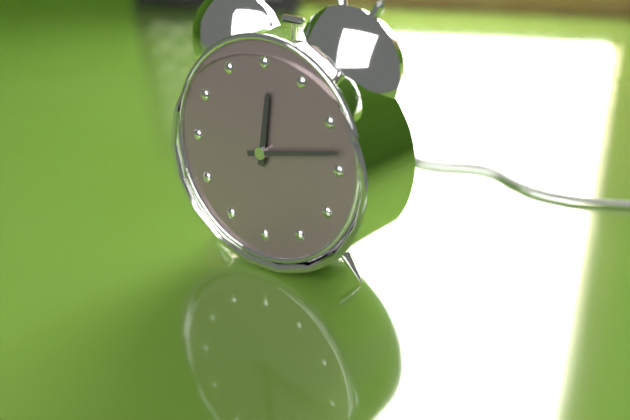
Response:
12.13
